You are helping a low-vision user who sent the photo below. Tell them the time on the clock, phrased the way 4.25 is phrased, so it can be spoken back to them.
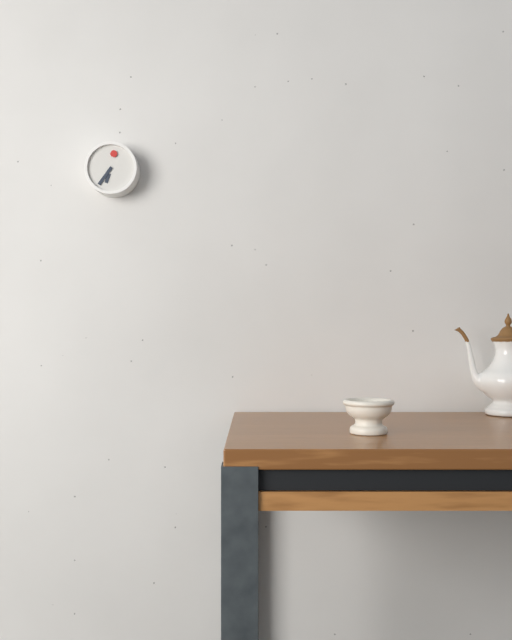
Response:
6.36
